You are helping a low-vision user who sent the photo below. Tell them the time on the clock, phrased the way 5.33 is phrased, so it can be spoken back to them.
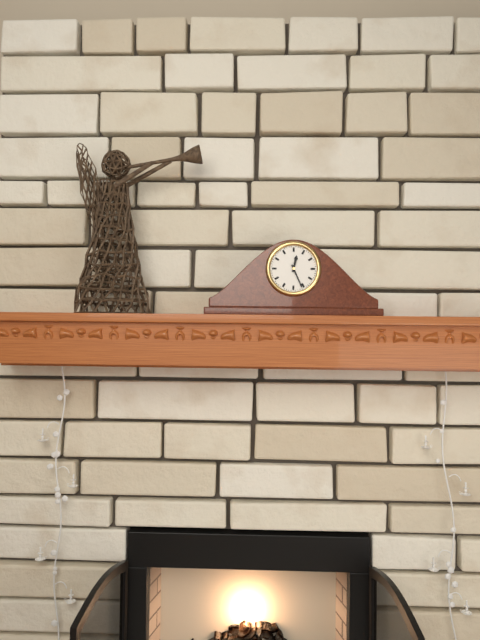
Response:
12.26
